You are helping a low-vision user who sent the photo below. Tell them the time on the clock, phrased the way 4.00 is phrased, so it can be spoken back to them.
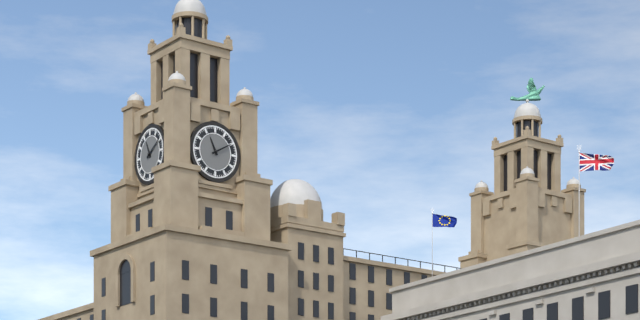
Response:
11.10
